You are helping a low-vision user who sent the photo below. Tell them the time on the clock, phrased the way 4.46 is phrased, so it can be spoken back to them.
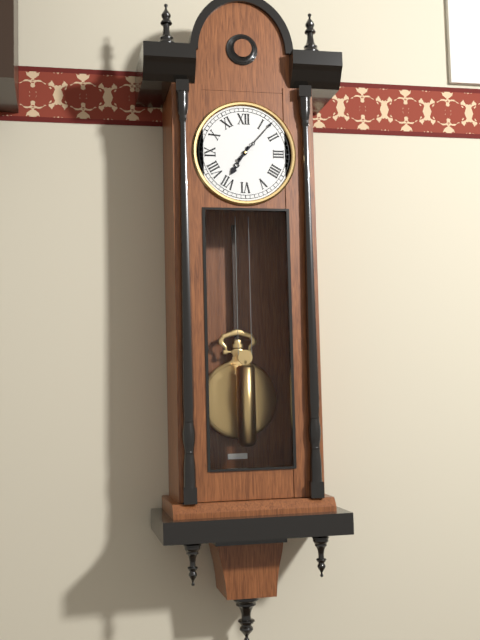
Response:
7.07
